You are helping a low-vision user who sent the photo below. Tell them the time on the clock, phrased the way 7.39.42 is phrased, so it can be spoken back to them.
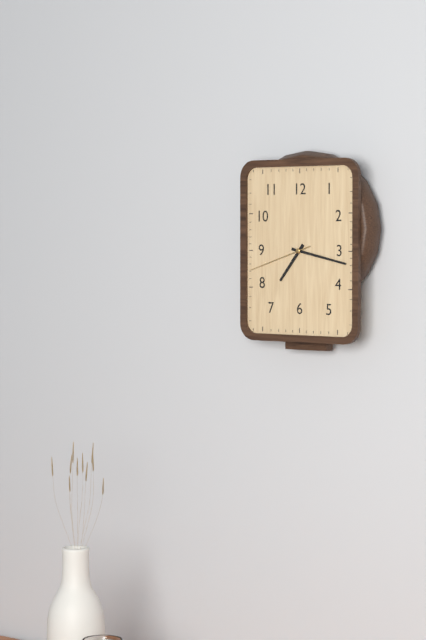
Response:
7.17.42
